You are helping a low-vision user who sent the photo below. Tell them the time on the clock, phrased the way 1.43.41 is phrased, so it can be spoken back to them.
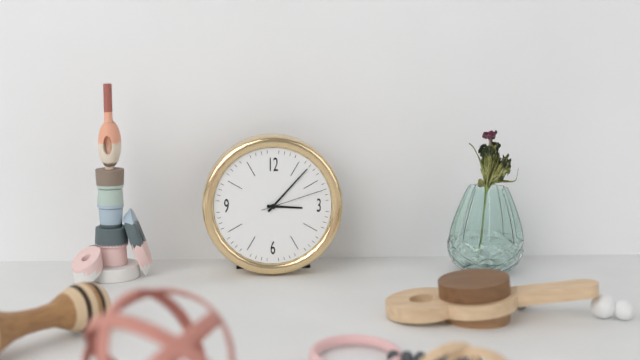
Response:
3.07.12
